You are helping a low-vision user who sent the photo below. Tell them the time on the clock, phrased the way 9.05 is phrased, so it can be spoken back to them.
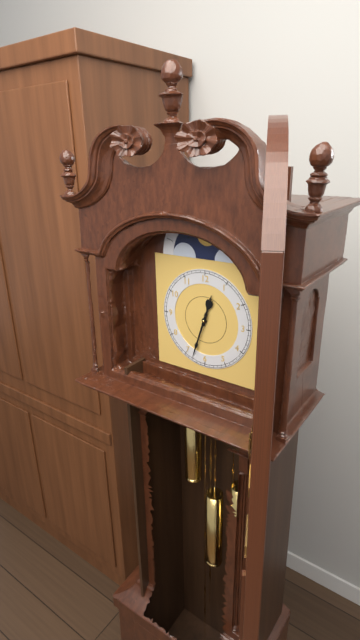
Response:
12.33
